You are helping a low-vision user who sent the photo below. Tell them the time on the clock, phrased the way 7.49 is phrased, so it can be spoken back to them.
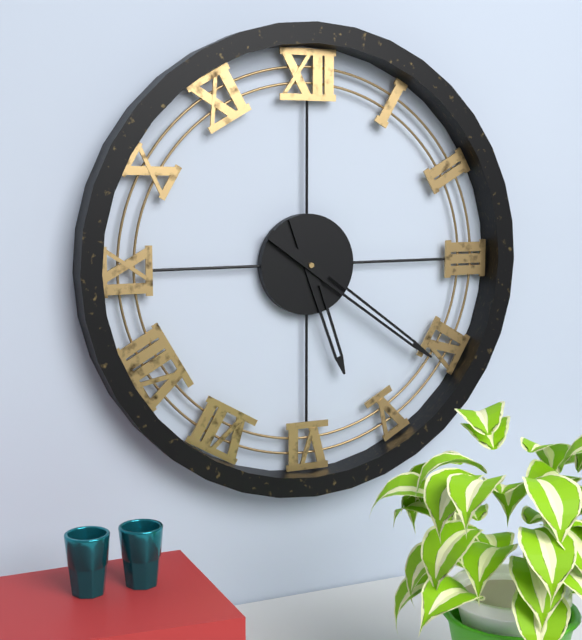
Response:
5.21
